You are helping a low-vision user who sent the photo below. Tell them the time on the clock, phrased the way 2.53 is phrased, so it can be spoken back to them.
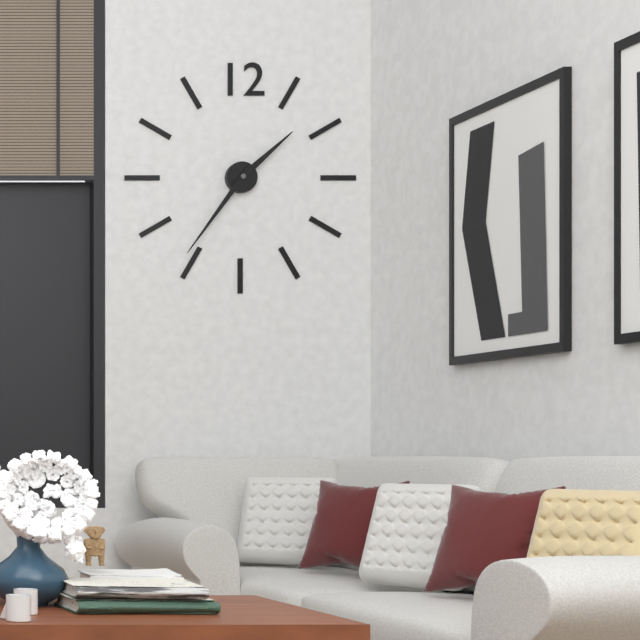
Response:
1.36
